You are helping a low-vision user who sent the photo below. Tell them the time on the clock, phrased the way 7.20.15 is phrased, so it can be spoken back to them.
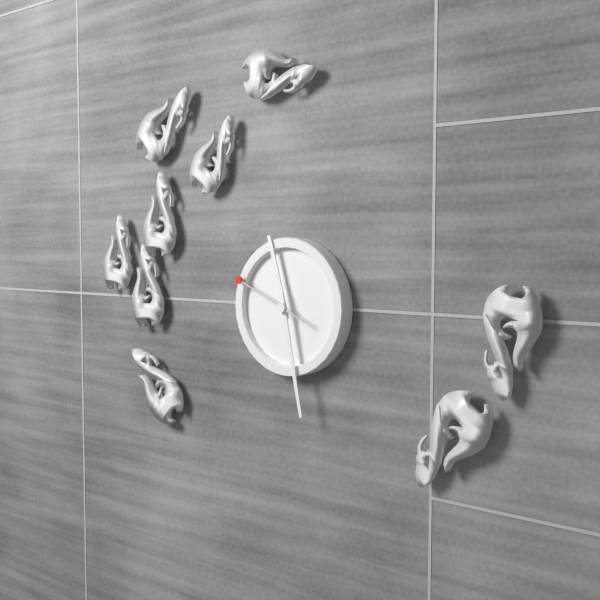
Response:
11.28.49
